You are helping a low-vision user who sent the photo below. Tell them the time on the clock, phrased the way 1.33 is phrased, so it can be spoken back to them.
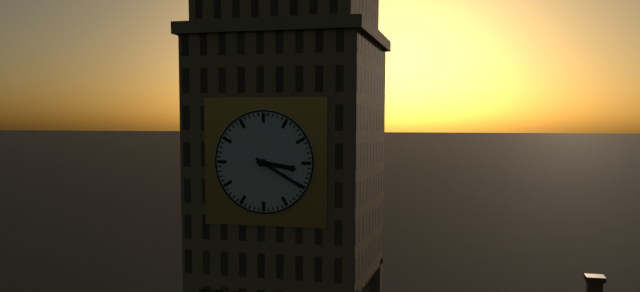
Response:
3.20
